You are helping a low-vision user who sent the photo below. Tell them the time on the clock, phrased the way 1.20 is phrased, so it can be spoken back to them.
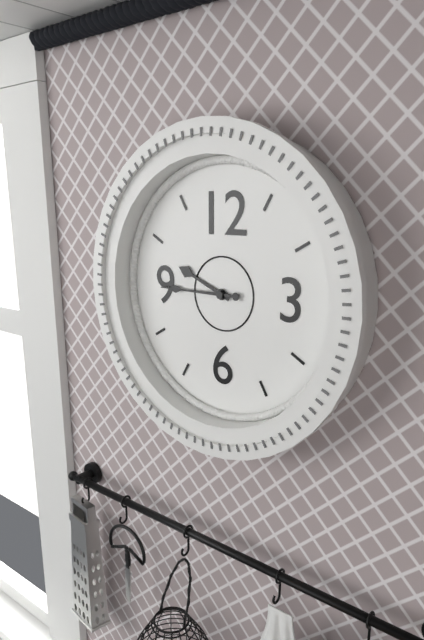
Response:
9.45
